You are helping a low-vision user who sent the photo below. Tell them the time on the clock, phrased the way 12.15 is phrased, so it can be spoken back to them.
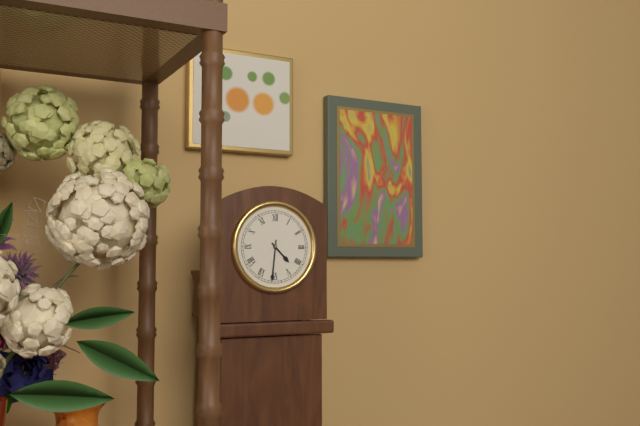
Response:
4.31
